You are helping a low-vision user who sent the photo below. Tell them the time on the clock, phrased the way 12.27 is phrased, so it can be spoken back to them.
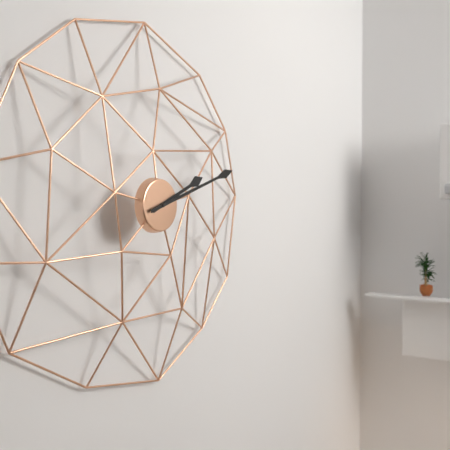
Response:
2.12
